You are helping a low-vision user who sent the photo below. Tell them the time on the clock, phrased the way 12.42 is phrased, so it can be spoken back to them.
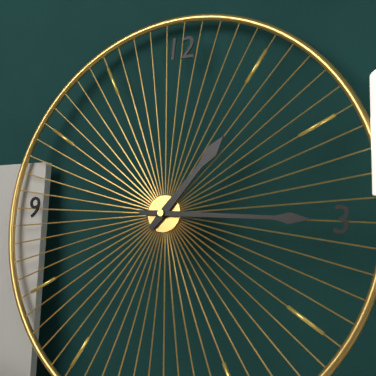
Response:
1.15
